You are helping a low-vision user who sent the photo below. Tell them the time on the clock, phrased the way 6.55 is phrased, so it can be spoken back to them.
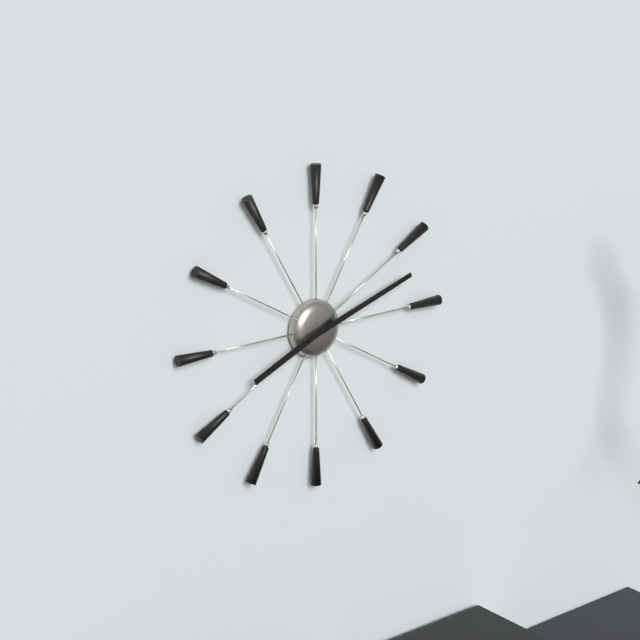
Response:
8.12
